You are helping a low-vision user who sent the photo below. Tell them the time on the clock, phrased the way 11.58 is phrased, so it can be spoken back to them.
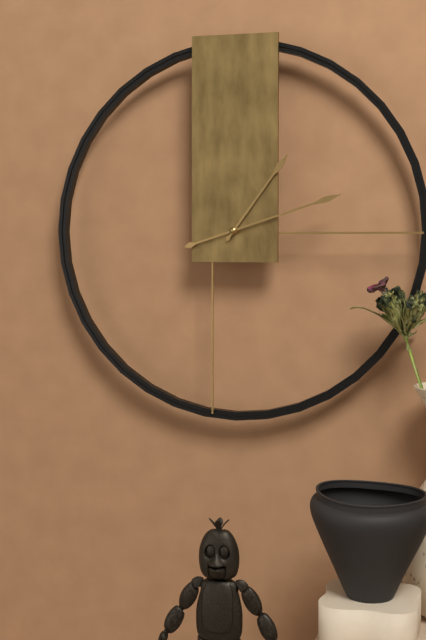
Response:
1.12
